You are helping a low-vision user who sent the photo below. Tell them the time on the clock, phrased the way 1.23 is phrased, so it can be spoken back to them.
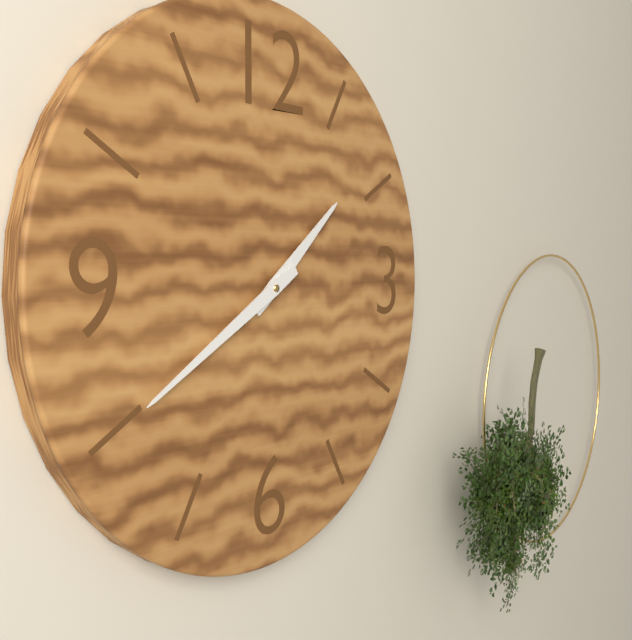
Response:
1.40
